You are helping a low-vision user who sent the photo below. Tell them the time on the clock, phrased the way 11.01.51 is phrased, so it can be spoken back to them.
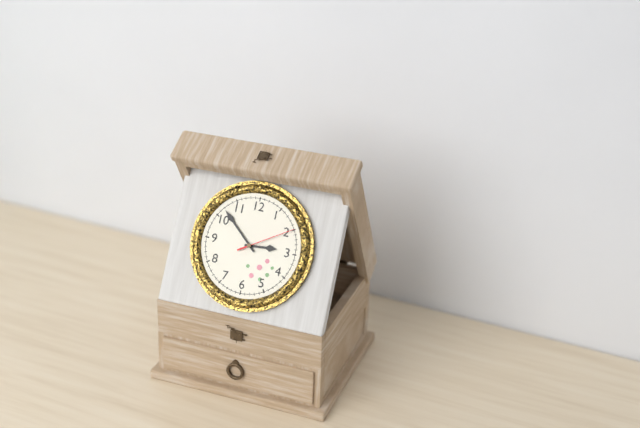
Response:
2.52.10
